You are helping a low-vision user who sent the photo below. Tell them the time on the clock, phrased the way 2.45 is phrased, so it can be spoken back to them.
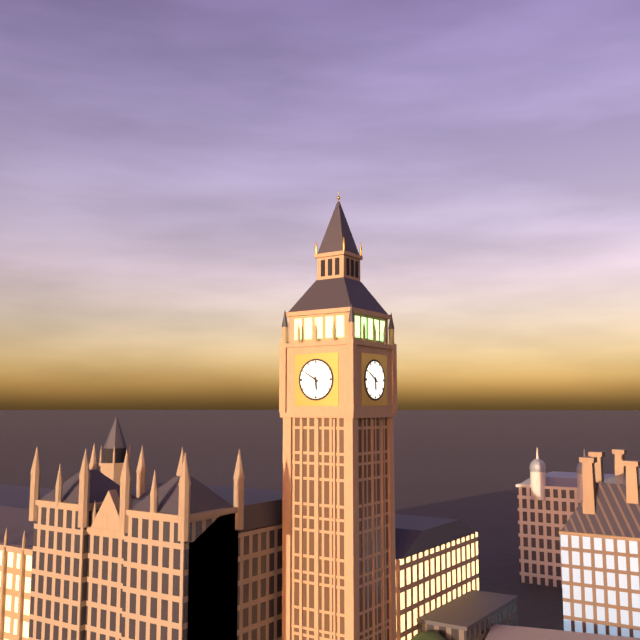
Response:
5.50
